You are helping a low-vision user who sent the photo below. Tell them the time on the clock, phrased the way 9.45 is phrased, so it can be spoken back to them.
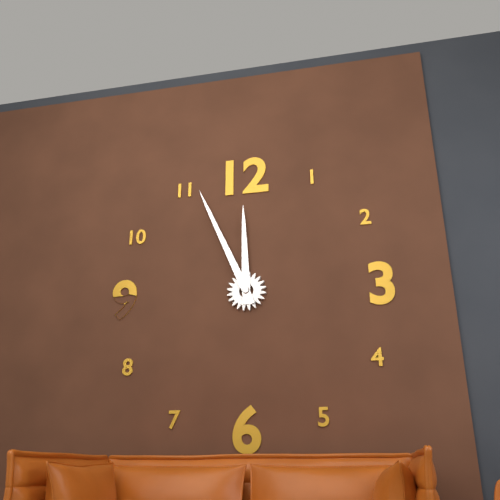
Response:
11.56
